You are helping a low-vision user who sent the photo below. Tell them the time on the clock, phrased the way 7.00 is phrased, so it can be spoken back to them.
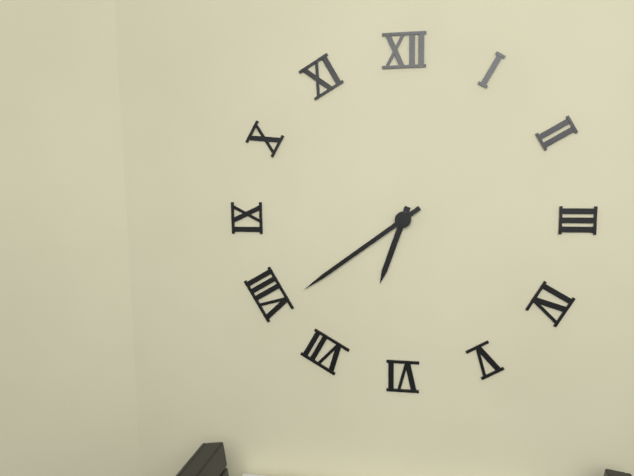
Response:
6.39
